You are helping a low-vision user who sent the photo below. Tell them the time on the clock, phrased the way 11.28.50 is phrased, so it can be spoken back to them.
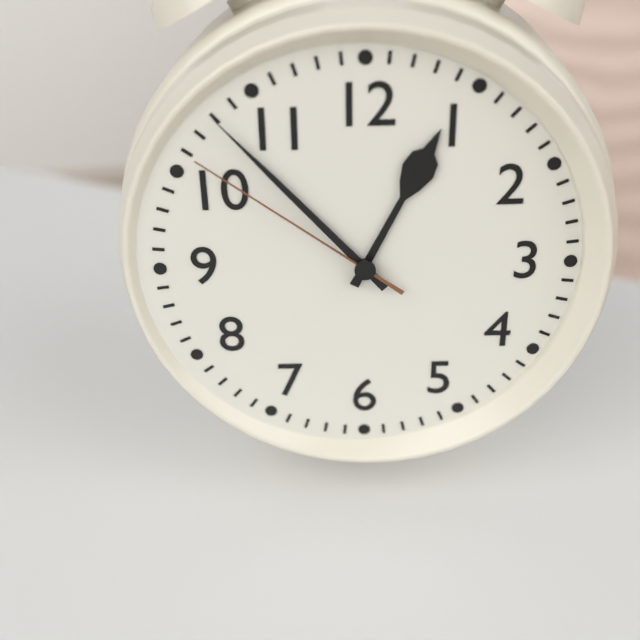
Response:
12.53.51
